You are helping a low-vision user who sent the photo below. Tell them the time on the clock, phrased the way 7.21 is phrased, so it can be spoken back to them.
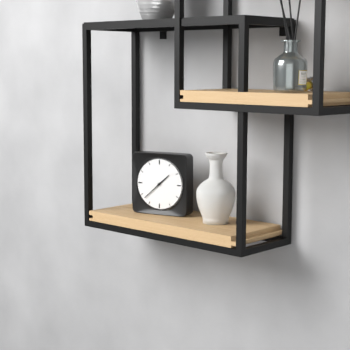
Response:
1.38
